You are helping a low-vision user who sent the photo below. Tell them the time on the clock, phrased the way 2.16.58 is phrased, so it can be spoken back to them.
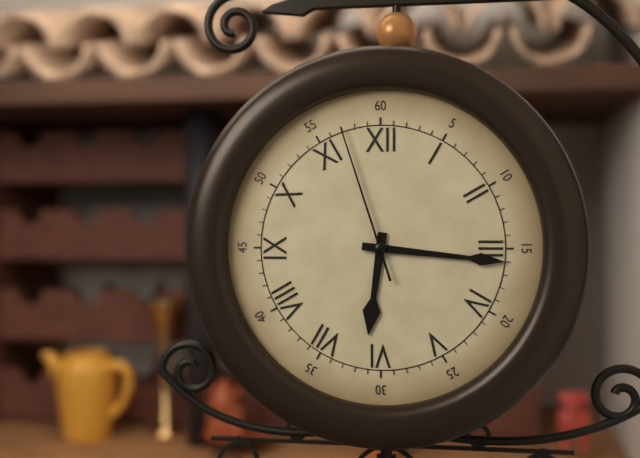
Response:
6.16.57
